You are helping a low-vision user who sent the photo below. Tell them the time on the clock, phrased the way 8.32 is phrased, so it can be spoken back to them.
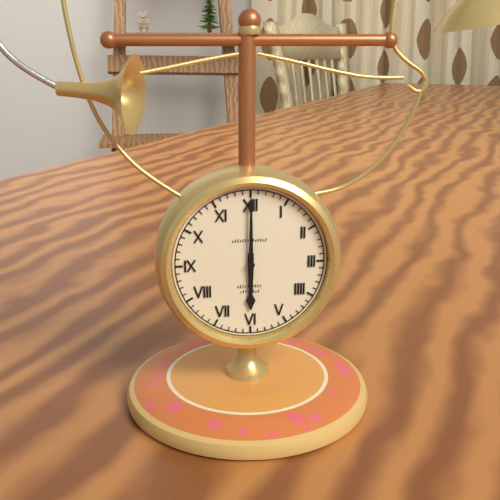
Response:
6.00
